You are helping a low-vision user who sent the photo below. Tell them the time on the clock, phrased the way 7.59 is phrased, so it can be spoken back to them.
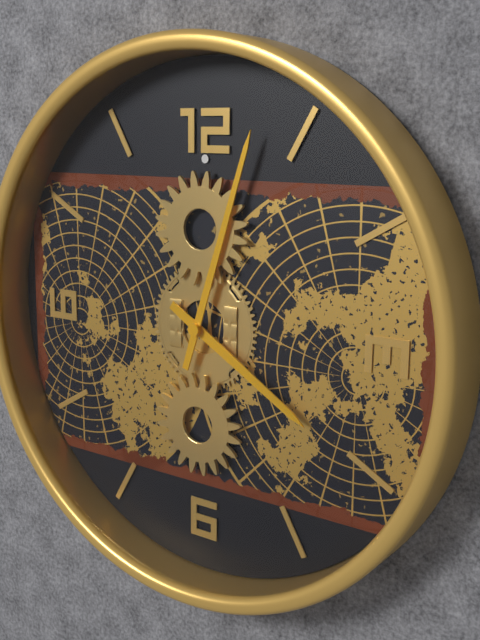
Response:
4.03
